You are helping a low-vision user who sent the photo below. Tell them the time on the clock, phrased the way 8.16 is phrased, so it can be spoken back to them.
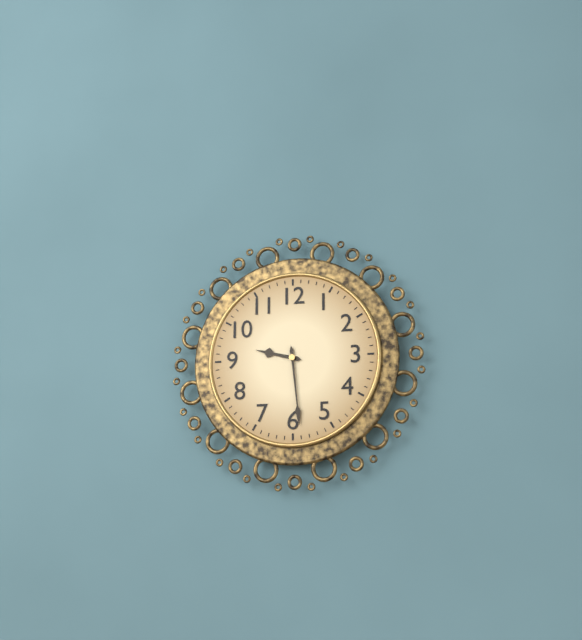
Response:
9.29
